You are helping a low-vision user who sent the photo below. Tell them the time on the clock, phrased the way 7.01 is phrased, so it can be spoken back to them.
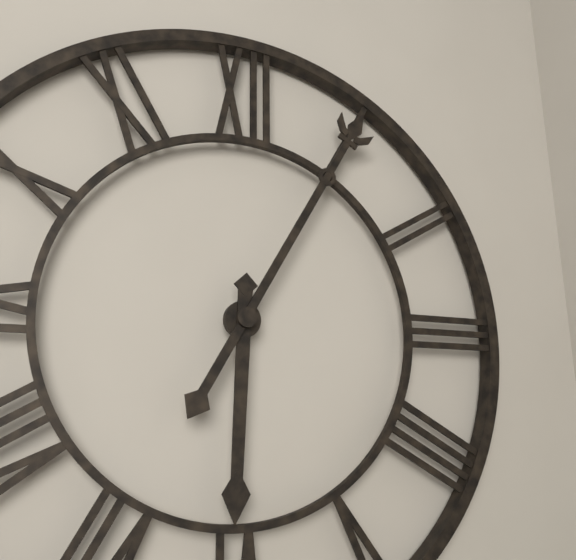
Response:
6.05
